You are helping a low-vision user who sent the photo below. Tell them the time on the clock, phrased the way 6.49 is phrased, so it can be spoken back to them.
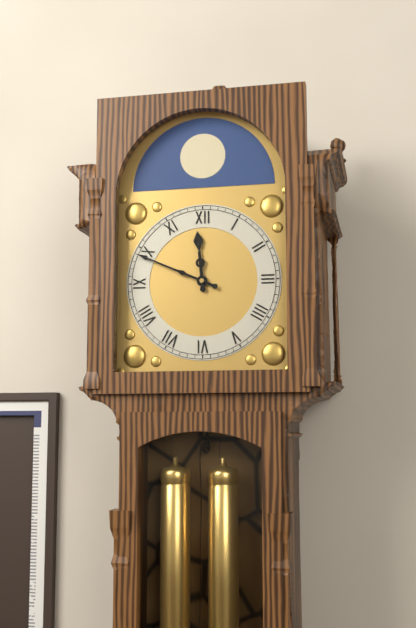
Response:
11.49
